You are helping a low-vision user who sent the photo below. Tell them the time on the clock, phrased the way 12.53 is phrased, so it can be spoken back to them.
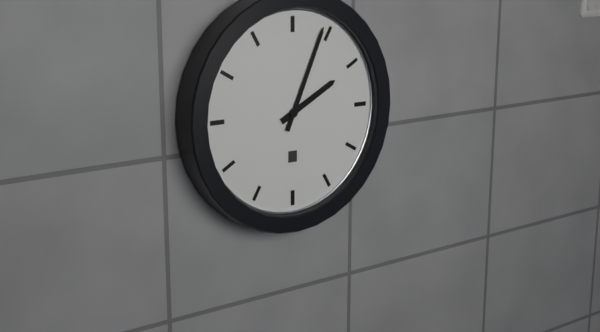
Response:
2.04
